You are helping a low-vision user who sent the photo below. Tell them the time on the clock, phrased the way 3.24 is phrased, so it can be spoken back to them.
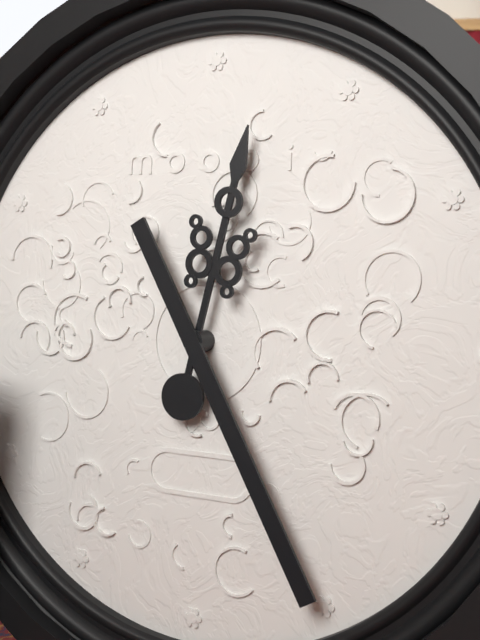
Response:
12.25
